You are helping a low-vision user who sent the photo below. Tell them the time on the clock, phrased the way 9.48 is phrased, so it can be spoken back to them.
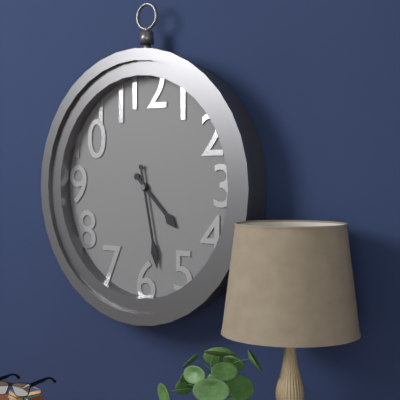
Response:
4.28
